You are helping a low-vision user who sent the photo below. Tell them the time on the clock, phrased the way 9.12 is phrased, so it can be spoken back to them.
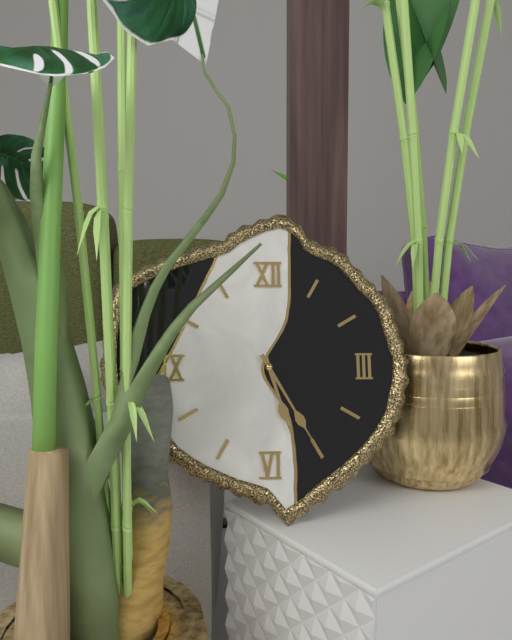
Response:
5.25
